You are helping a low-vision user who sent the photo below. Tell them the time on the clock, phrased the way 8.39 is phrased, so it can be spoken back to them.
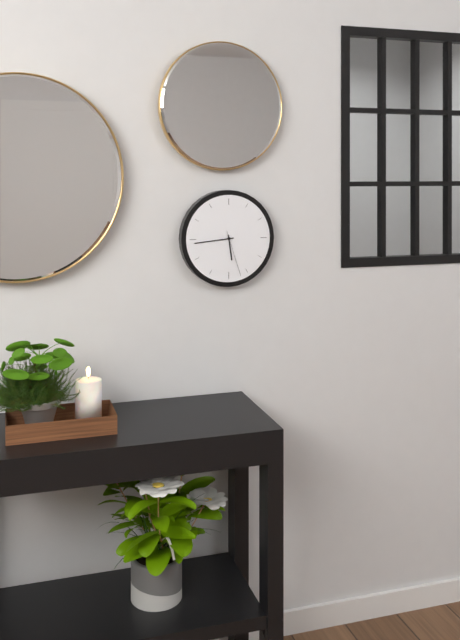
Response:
5.44
